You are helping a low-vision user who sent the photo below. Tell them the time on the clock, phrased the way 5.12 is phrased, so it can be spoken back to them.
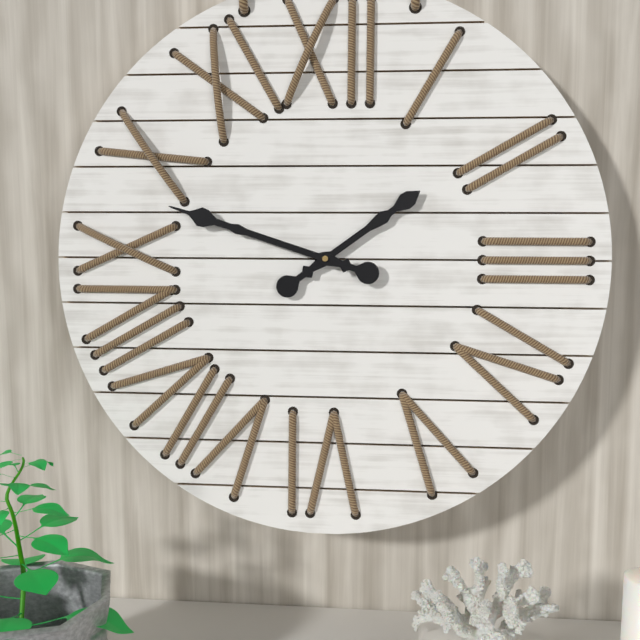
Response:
1.48
